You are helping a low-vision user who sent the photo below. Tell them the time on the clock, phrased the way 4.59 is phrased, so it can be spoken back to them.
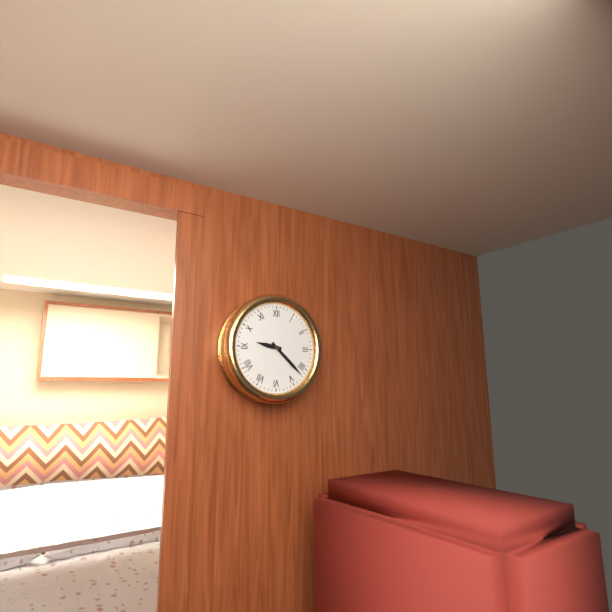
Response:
9.22
